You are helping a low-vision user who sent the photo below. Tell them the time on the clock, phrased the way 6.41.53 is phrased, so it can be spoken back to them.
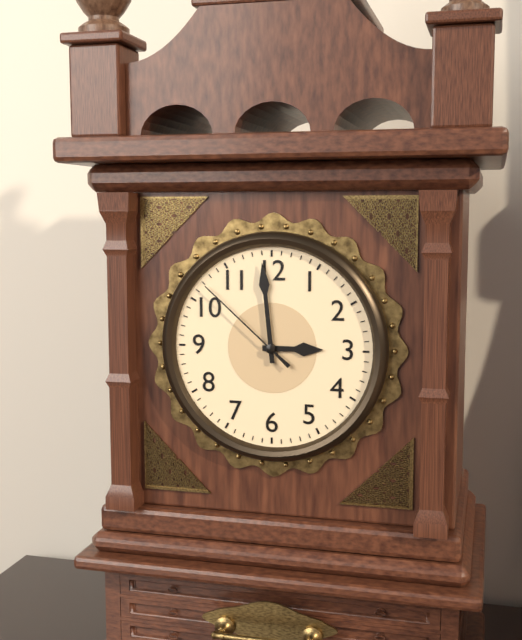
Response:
2.59.52
